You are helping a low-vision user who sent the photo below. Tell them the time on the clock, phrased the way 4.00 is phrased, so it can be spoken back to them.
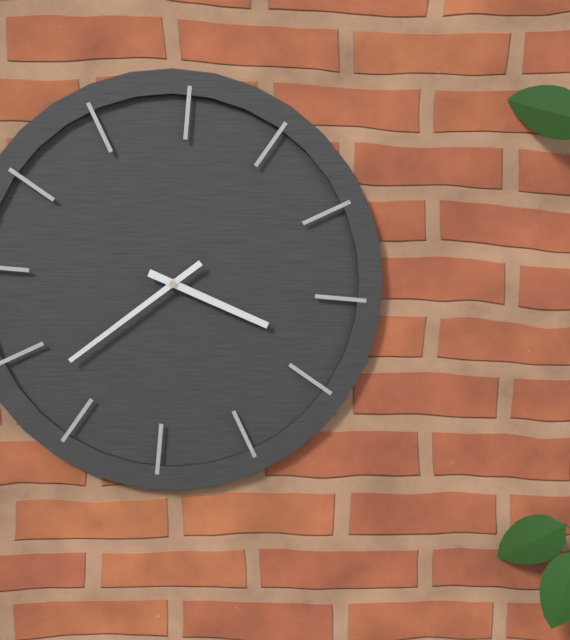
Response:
3.38
